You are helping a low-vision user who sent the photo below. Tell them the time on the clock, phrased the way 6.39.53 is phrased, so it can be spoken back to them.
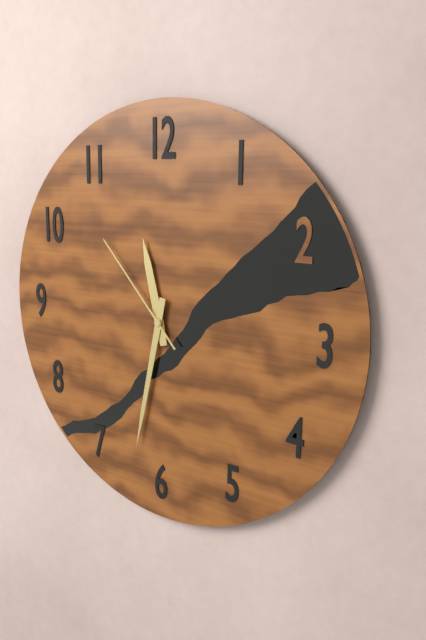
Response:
11.32.53
